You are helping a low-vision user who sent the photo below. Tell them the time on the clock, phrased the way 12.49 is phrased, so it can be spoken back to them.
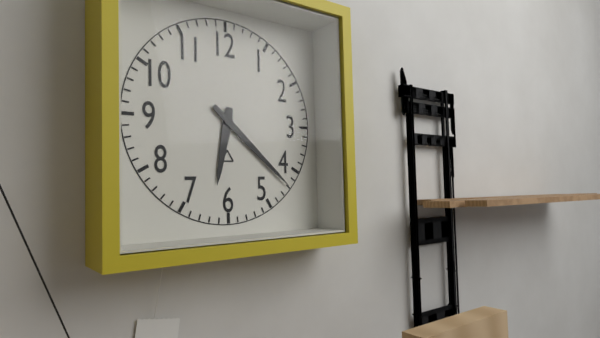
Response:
6.22
